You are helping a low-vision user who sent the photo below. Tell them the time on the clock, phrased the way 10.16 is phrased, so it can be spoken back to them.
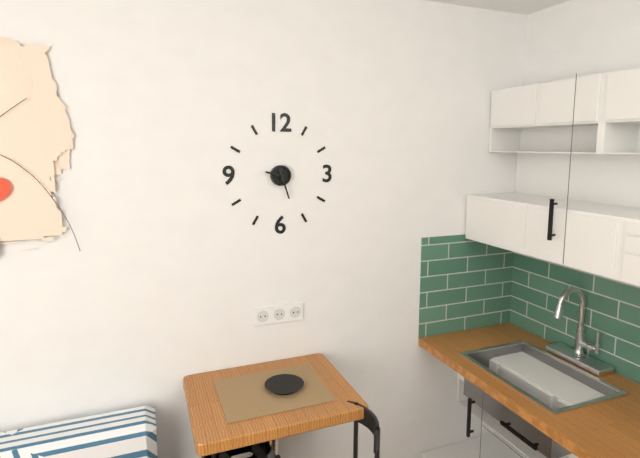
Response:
9.27
